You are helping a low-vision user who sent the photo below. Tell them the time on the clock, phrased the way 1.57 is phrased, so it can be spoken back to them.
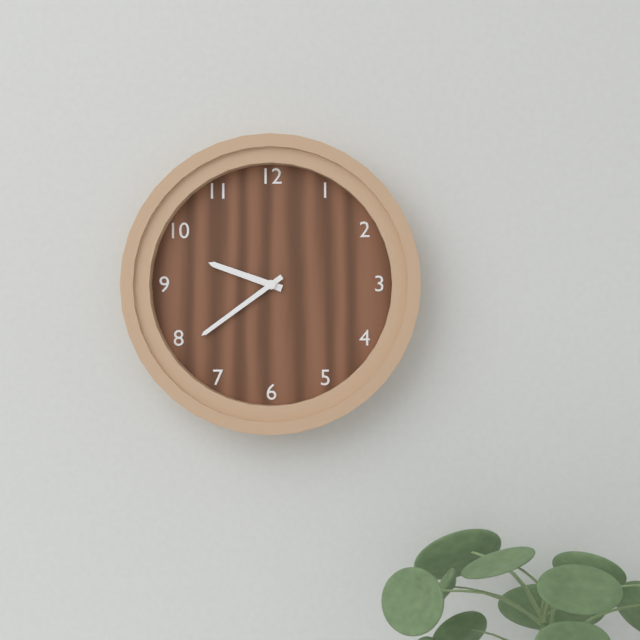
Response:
9.39
